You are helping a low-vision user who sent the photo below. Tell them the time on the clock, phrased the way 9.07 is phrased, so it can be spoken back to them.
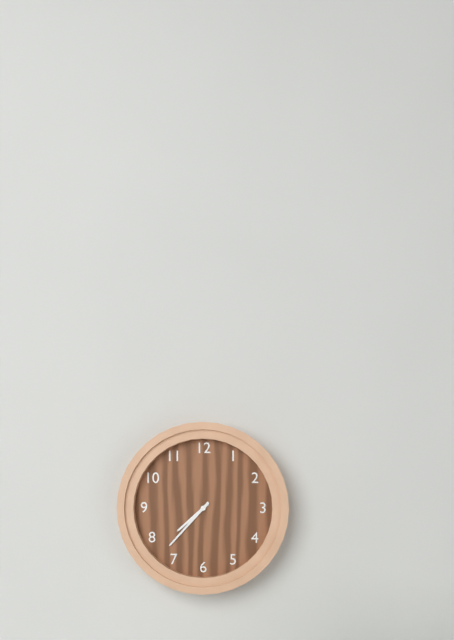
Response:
7.37
